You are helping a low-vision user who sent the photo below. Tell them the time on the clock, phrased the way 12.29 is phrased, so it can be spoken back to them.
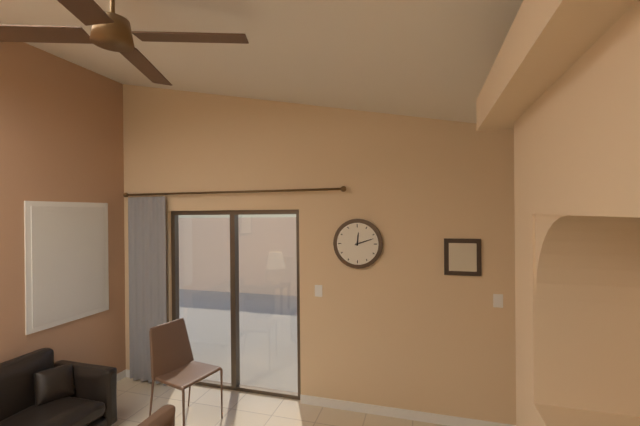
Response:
12.12
